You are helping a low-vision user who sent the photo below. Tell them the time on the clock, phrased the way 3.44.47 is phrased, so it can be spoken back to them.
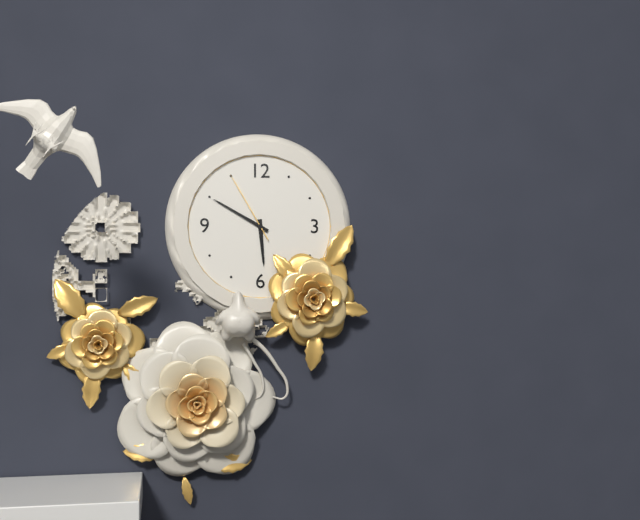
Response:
5.50.55
